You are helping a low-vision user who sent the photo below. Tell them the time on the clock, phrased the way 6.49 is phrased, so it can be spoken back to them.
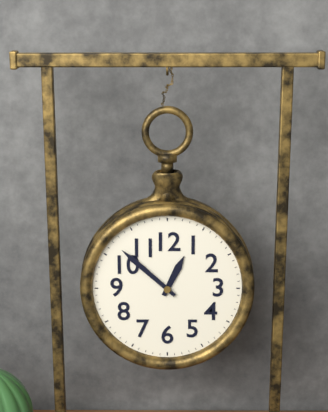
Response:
12.52
